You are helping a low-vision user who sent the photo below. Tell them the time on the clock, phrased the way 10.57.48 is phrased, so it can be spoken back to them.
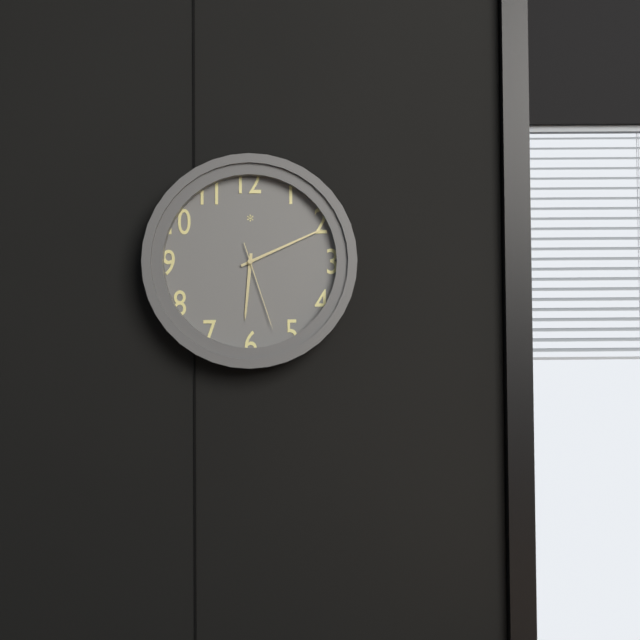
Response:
6.11.27
